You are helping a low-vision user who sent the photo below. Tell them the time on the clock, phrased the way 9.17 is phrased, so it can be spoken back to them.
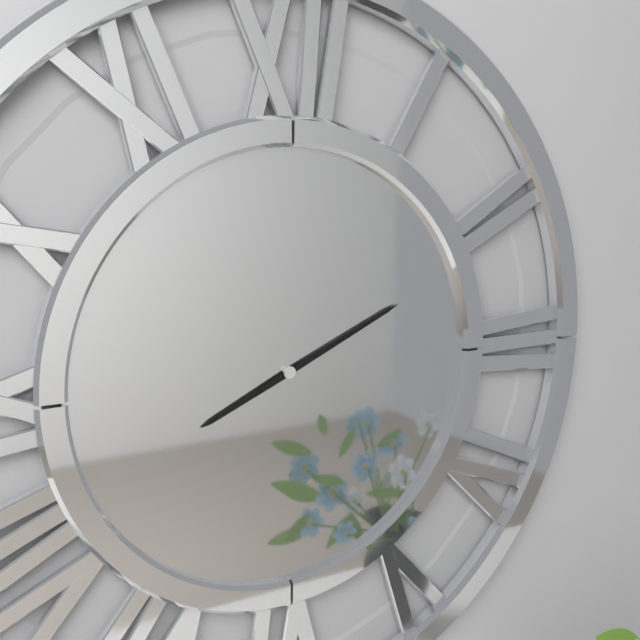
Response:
8.11
